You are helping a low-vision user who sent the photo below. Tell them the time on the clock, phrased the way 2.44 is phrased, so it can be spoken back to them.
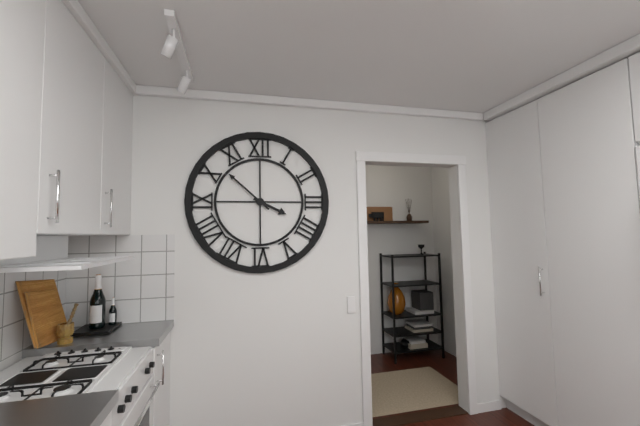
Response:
3.52
